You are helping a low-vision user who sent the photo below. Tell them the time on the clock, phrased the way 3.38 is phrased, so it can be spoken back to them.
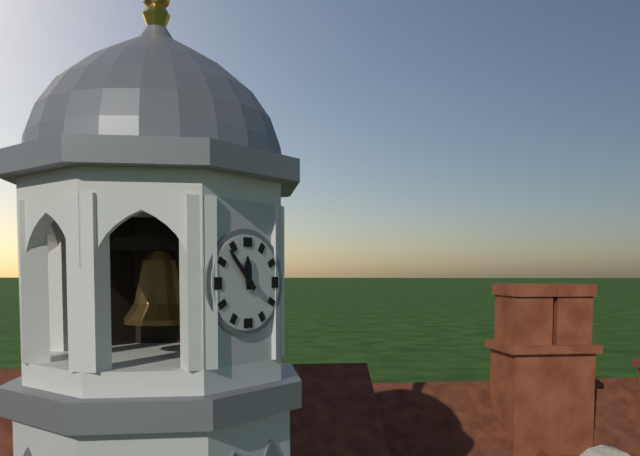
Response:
11.53
